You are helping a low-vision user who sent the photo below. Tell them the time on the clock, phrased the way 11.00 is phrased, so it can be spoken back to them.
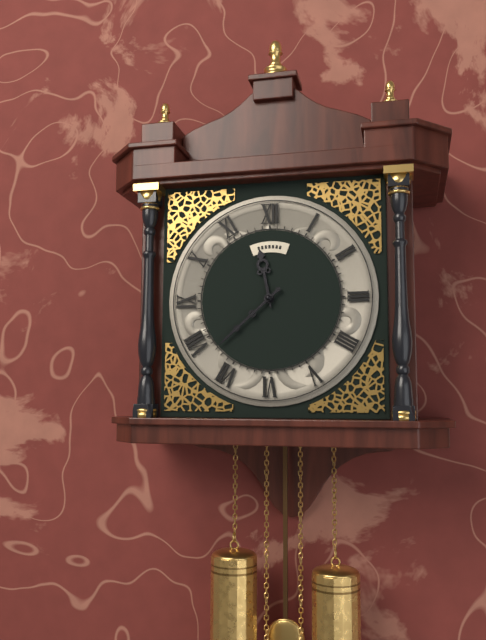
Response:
11.38
